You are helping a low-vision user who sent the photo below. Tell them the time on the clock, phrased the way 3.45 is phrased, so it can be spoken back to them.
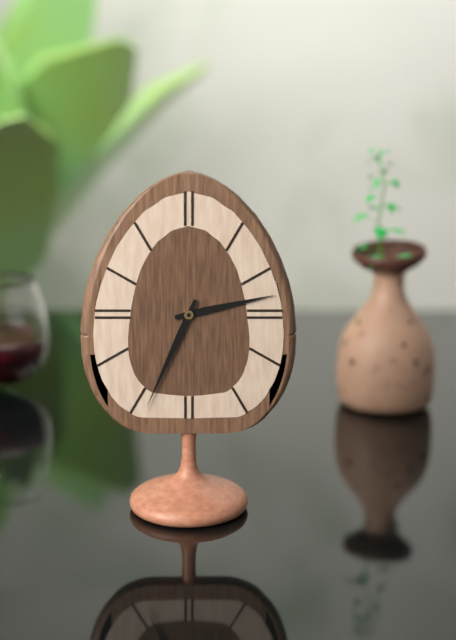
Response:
2.34
